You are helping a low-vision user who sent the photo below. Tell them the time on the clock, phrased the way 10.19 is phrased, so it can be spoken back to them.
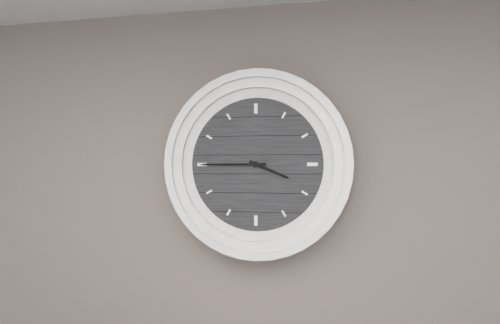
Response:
3.45
